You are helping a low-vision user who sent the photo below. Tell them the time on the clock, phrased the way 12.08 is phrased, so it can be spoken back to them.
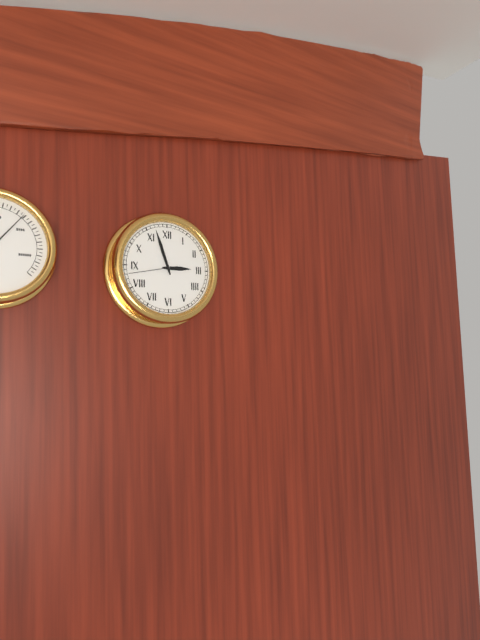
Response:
2.57
